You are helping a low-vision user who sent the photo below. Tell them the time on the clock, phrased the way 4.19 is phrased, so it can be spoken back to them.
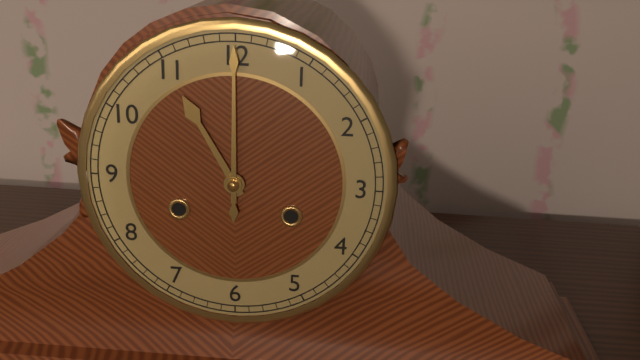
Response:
11.00
